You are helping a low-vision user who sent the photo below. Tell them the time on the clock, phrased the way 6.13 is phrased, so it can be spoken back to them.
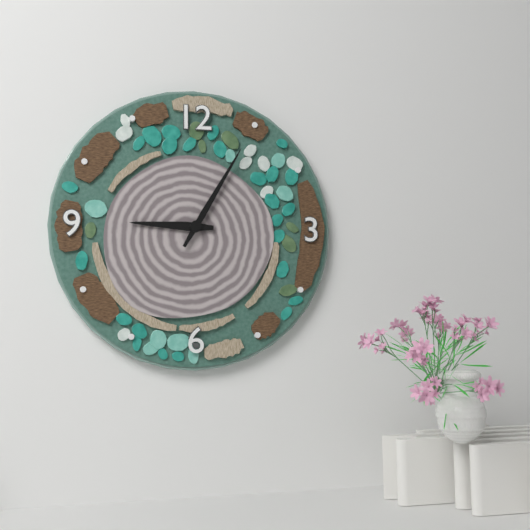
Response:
9.05
